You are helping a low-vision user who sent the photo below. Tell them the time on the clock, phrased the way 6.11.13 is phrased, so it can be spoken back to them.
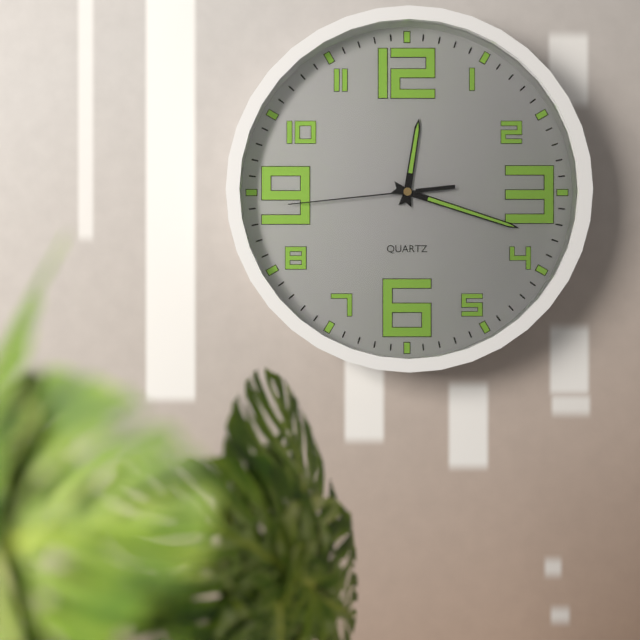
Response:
12.18.44
